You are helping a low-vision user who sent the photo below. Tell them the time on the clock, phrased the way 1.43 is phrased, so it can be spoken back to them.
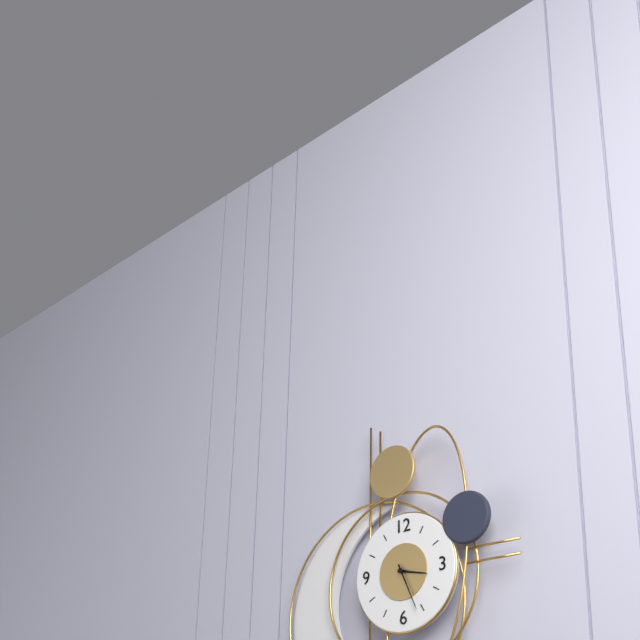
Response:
3.26
